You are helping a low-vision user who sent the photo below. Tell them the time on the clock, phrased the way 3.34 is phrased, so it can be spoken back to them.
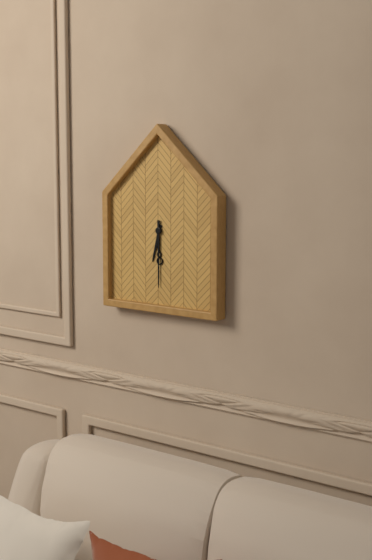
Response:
6.30
